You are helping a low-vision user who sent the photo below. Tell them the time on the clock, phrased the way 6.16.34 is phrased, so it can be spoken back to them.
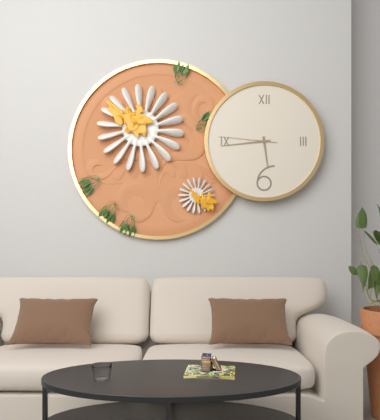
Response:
5.44.46
